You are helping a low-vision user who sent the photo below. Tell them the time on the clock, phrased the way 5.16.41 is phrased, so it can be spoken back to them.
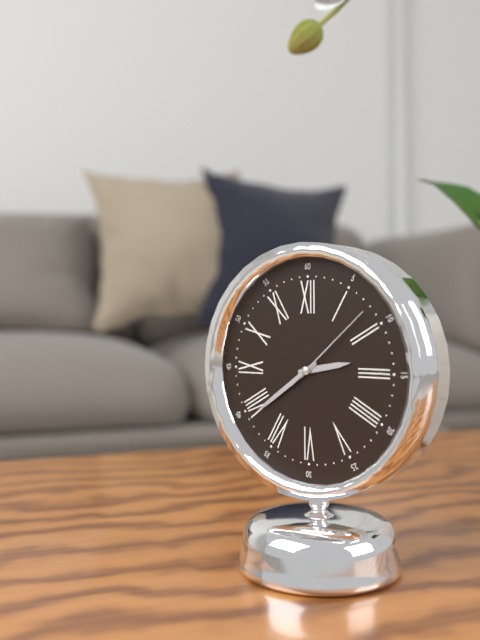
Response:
2.39.08
